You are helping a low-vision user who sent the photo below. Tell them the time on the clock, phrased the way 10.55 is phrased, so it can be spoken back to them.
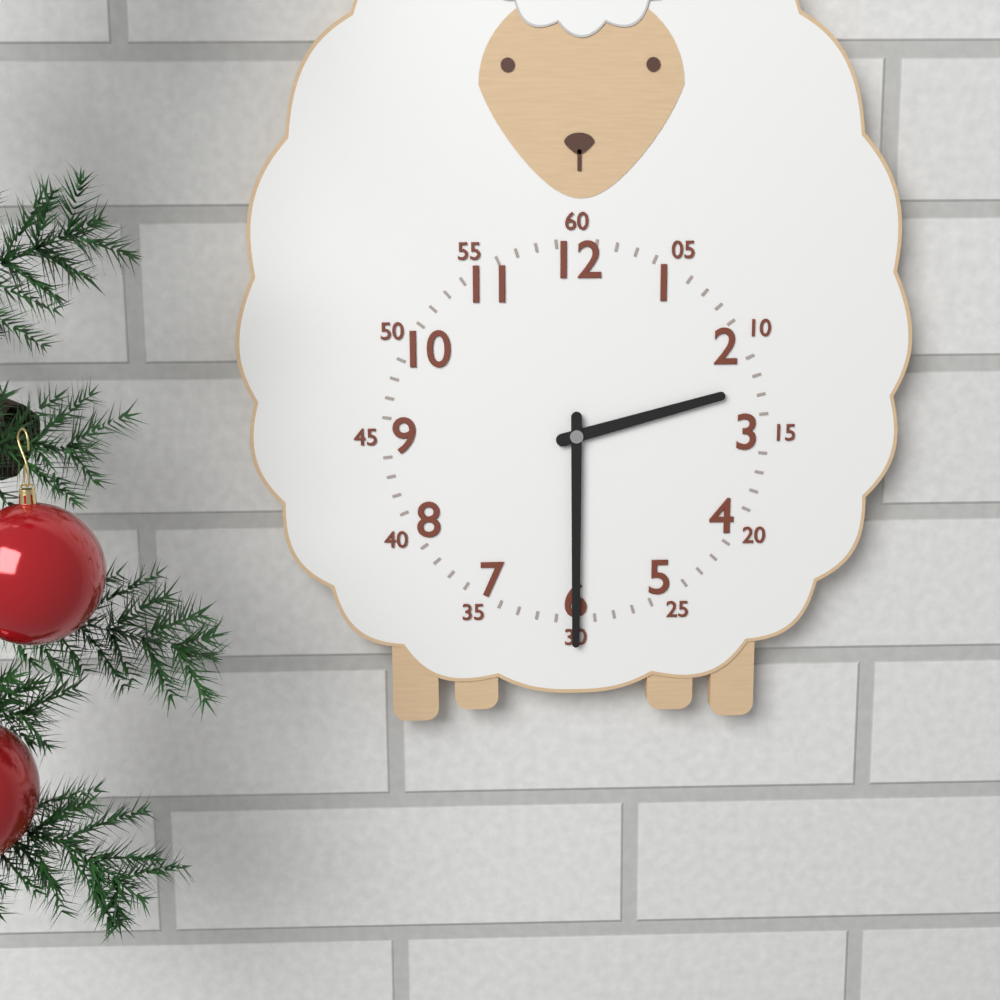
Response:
2.30
